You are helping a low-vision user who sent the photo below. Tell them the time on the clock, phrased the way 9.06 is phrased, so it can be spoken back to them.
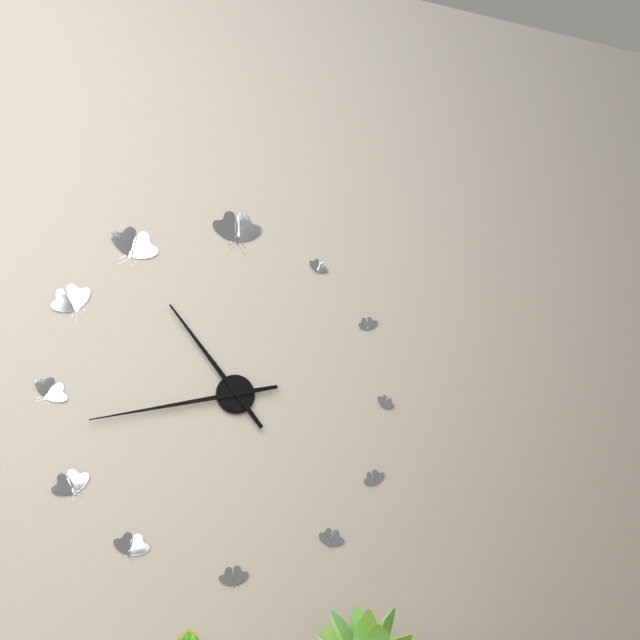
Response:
10.43
